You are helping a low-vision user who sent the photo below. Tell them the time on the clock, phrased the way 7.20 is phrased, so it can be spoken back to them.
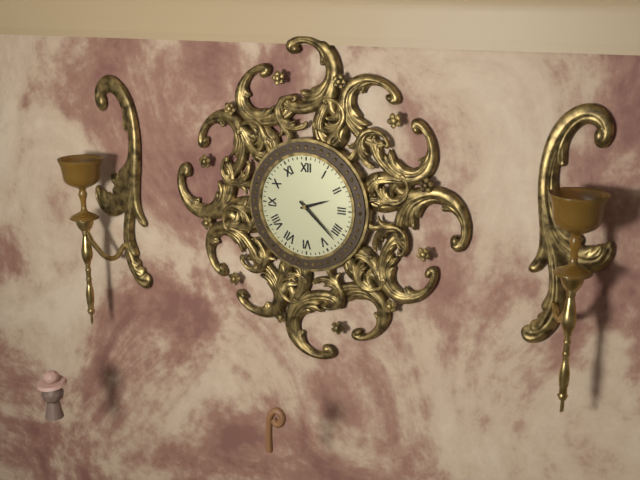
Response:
2.22
